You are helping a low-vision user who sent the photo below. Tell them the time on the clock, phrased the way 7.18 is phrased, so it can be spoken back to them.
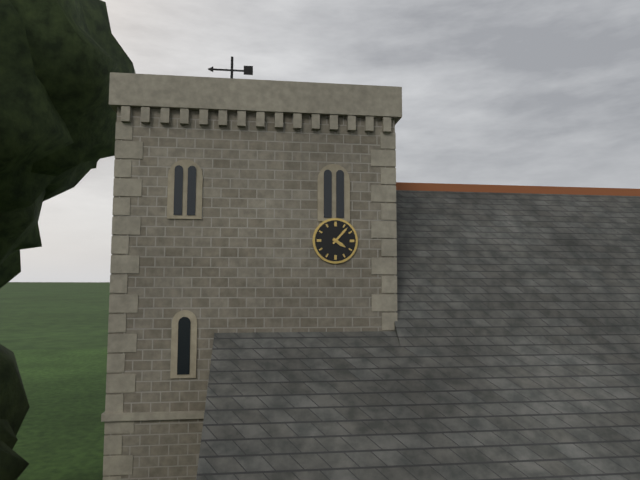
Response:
4.07
